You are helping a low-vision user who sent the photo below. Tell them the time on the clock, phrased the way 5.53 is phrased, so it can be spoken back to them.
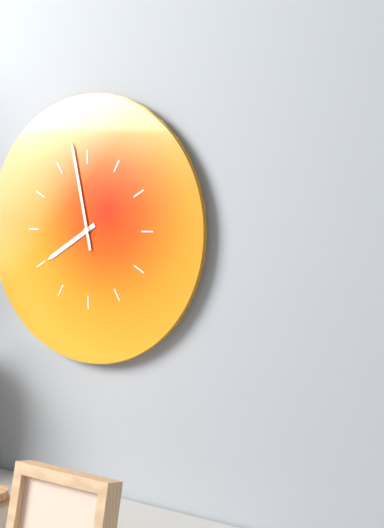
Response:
7.58
